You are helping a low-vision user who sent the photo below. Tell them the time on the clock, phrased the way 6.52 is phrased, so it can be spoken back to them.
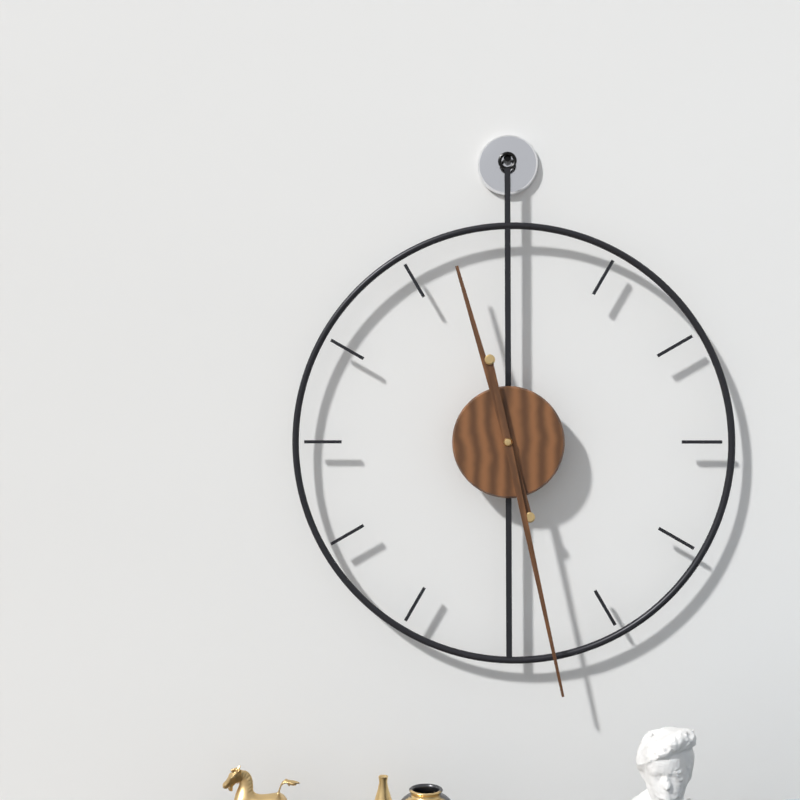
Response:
11.28
